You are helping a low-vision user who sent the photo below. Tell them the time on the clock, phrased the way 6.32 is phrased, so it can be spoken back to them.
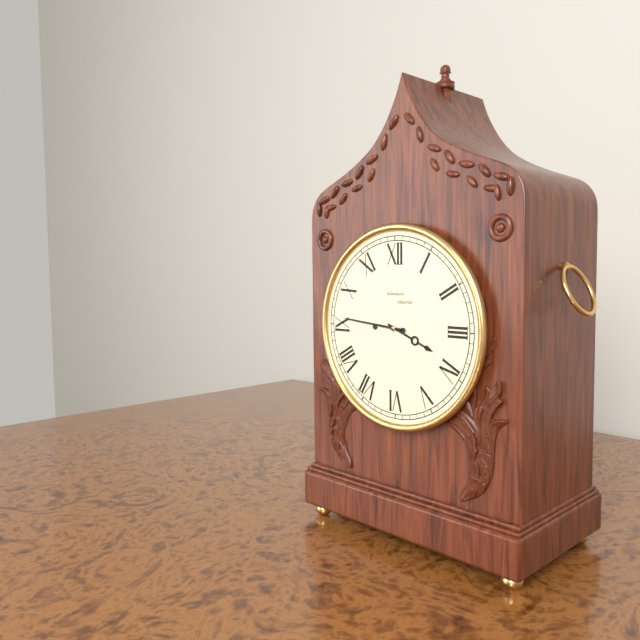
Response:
3.46
